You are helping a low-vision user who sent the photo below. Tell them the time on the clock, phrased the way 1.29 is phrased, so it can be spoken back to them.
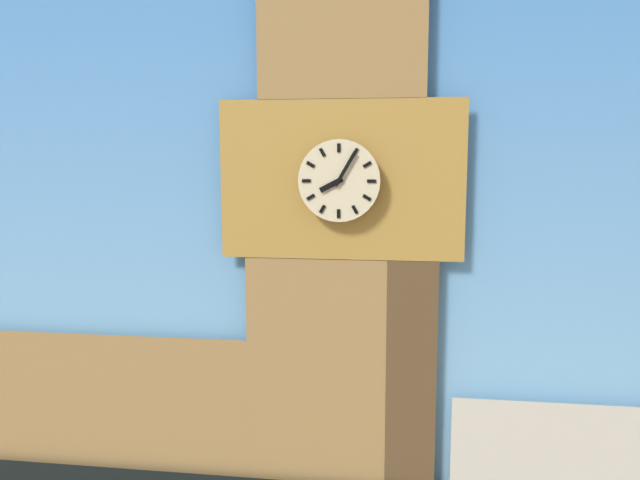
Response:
8.05
